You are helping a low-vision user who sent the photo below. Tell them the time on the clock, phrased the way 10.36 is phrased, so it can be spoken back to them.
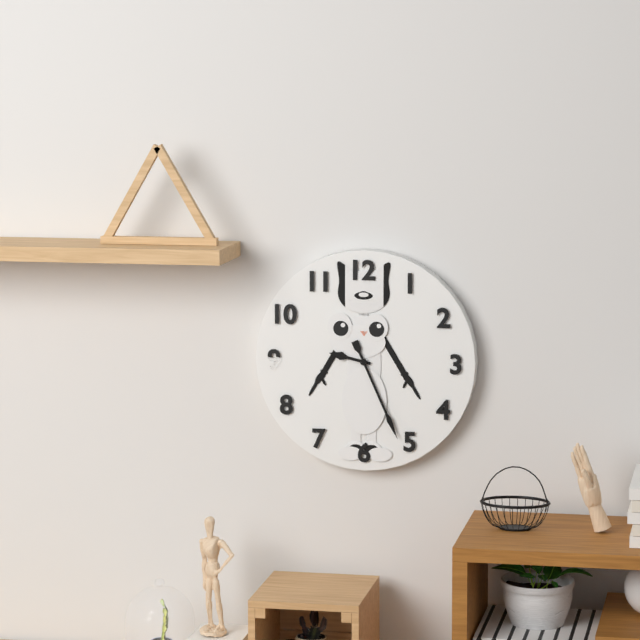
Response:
9.26
